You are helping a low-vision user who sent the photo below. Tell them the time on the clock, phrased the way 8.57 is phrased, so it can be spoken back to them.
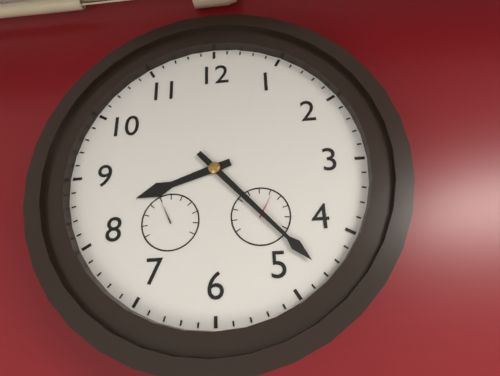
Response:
8.23
